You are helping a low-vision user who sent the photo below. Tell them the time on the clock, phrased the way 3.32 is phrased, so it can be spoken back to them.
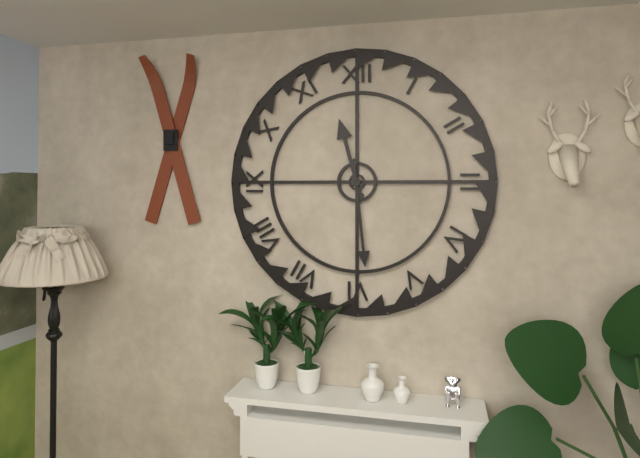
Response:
11.29
